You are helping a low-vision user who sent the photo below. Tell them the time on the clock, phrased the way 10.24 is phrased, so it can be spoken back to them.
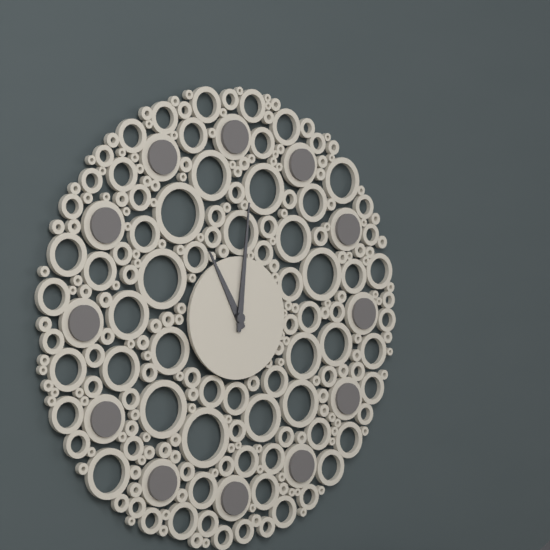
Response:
11.01
